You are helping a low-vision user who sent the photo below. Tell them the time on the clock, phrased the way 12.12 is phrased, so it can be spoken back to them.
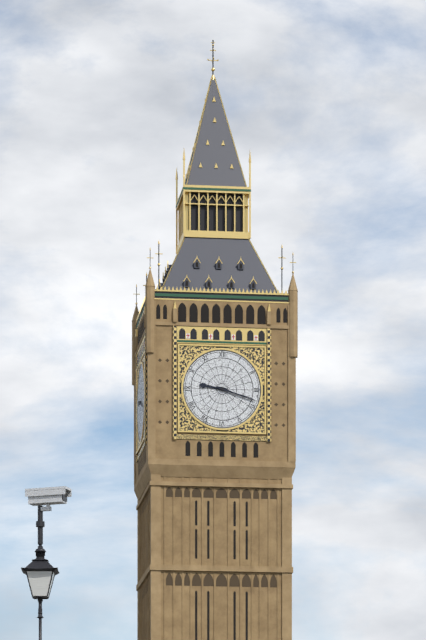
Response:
9.18
